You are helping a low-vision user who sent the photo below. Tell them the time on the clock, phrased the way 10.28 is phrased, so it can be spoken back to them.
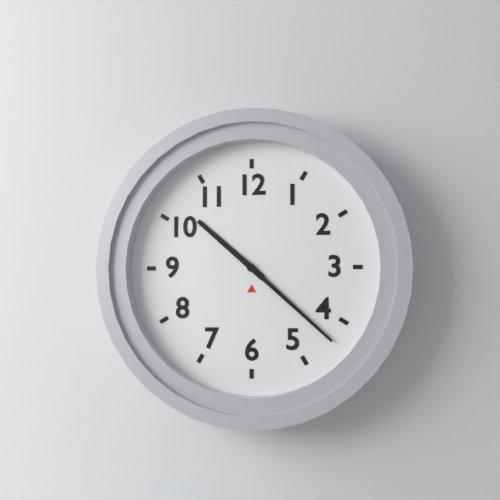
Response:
10.22
